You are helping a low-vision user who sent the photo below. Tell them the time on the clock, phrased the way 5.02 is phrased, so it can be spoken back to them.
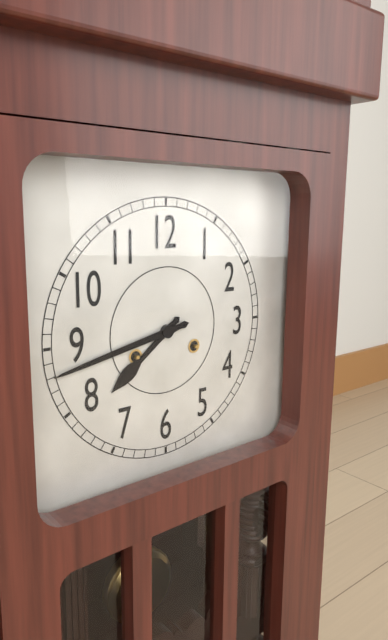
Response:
7.43
